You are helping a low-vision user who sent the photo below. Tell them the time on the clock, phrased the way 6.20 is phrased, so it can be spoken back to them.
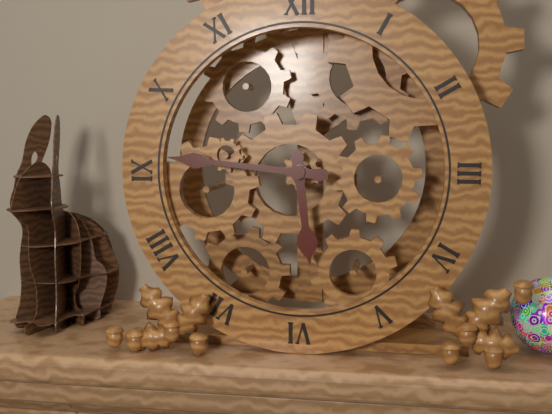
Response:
5.46
